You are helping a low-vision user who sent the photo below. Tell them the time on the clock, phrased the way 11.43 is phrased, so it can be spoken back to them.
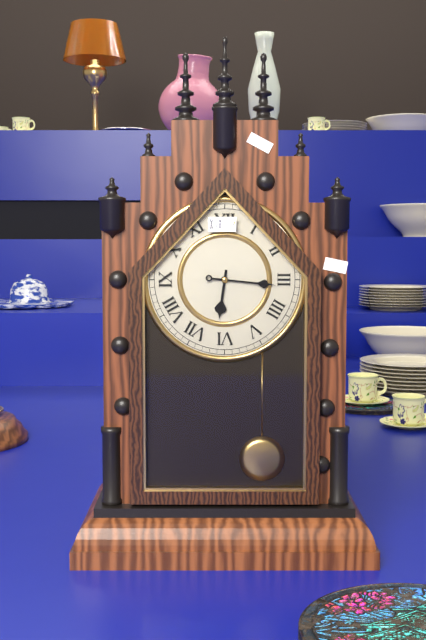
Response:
6.16
